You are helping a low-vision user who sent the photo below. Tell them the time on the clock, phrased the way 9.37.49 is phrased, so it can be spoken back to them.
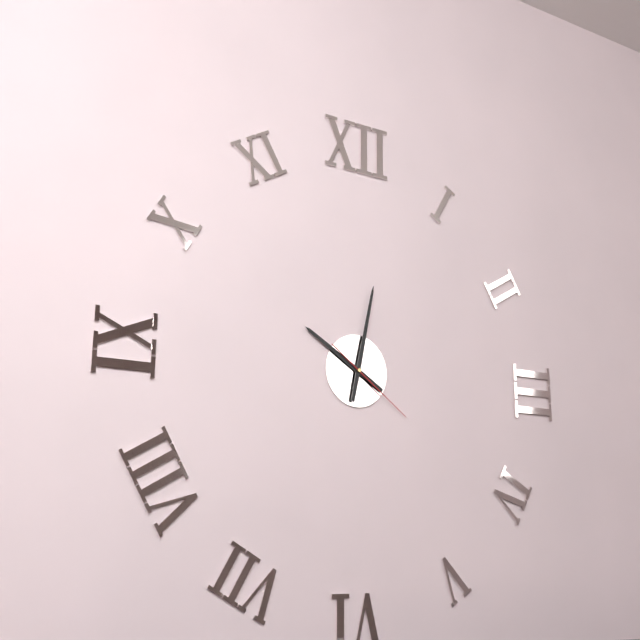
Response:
10.02.21
